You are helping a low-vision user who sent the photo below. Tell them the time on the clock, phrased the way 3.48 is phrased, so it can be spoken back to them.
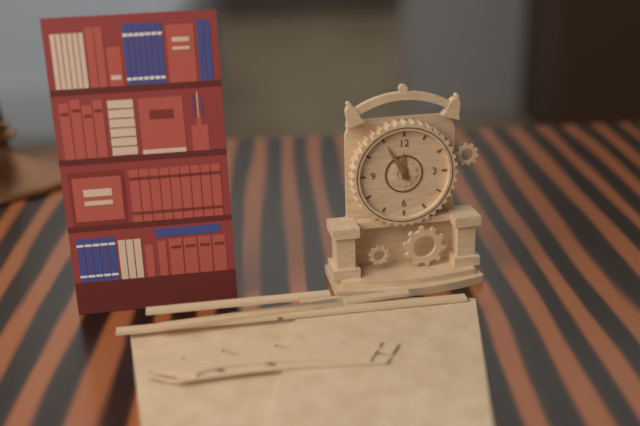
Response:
11.55
